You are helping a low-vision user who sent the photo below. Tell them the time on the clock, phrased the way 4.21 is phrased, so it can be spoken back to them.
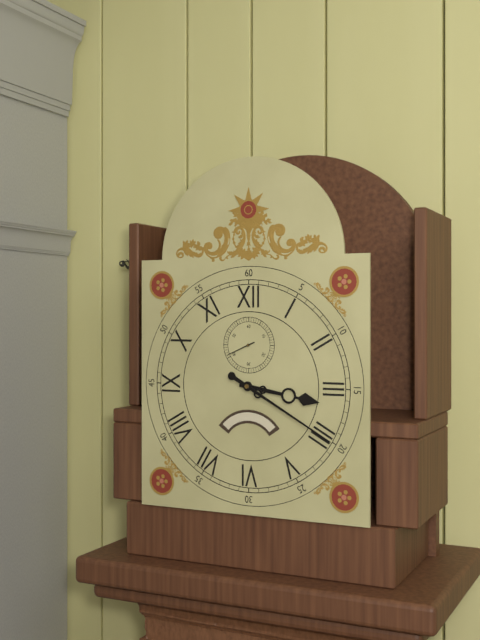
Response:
3.20
